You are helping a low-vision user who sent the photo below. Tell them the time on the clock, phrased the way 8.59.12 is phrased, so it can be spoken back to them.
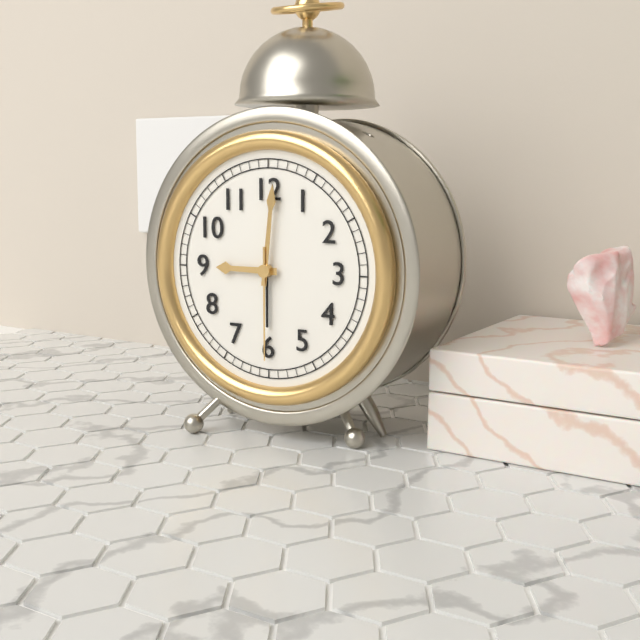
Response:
9.01.30
